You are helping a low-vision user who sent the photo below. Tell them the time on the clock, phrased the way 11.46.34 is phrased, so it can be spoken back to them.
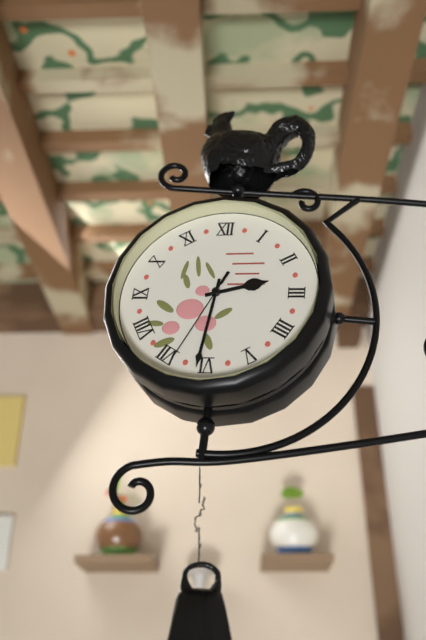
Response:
2.31.34
